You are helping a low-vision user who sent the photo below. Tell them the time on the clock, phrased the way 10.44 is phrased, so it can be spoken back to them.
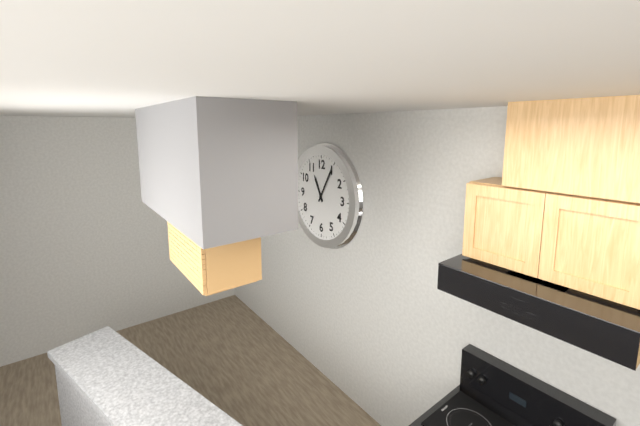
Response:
11.05
